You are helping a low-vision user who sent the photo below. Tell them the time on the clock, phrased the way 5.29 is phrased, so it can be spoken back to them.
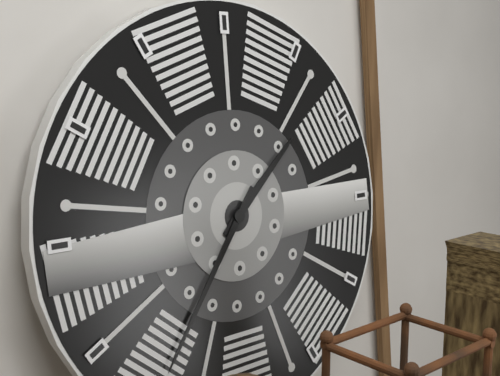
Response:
1.36
